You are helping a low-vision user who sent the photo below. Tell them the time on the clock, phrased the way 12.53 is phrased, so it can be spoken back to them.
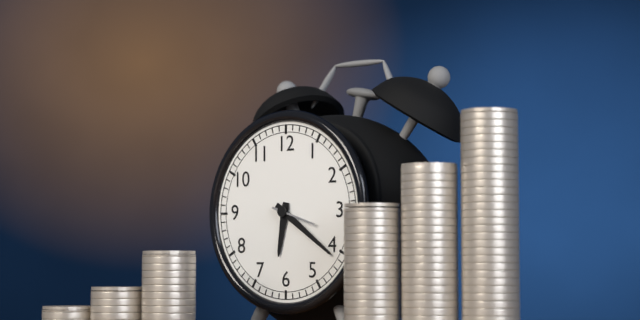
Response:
6.21
